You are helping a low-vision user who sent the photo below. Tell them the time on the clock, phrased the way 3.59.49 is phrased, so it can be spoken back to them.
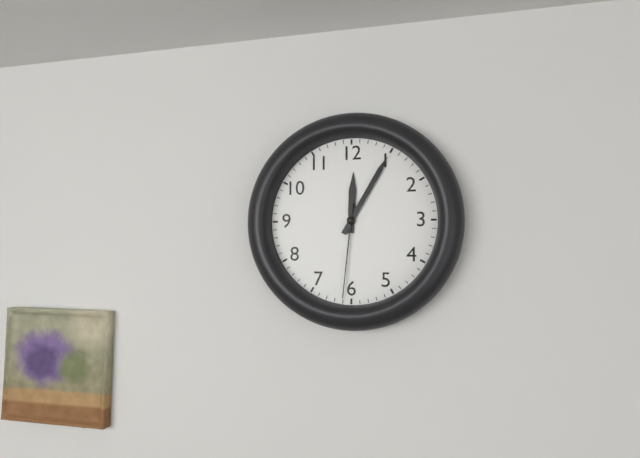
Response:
12.05.31
